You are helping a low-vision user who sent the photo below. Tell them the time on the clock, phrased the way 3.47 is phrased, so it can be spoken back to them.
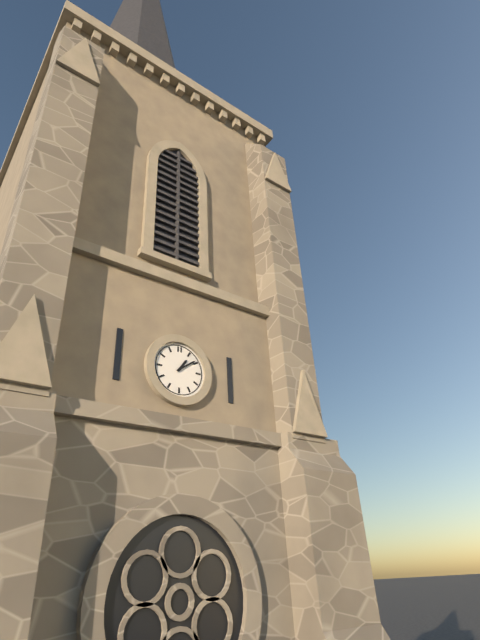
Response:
1.09
